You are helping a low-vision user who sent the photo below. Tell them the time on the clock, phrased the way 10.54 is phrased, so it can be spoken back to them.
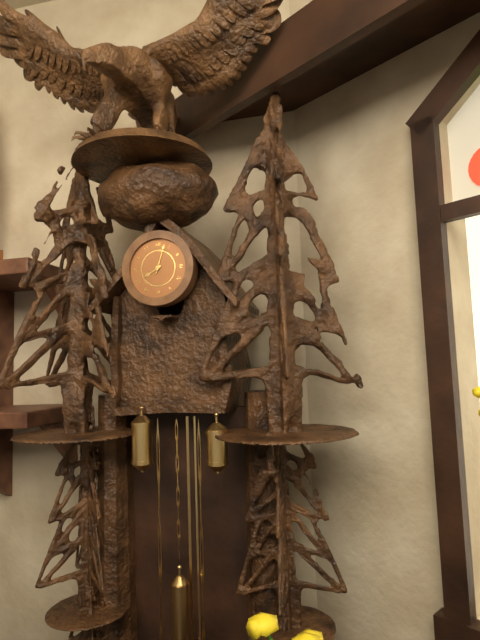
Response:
8.03
